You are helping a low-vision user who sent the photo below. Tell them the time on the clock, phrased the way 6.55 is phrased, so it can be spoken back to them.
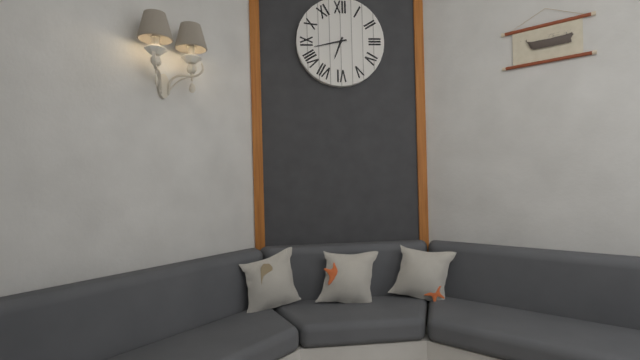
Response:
6.43
